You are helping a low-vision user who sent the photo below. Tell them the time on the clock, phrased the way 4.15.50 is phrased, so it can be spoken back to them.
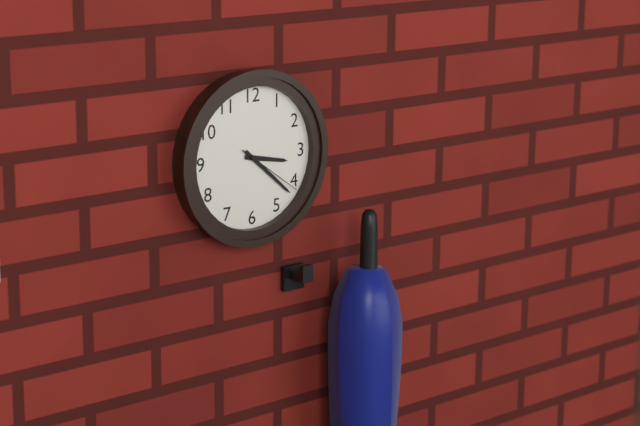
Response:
3.22.21
